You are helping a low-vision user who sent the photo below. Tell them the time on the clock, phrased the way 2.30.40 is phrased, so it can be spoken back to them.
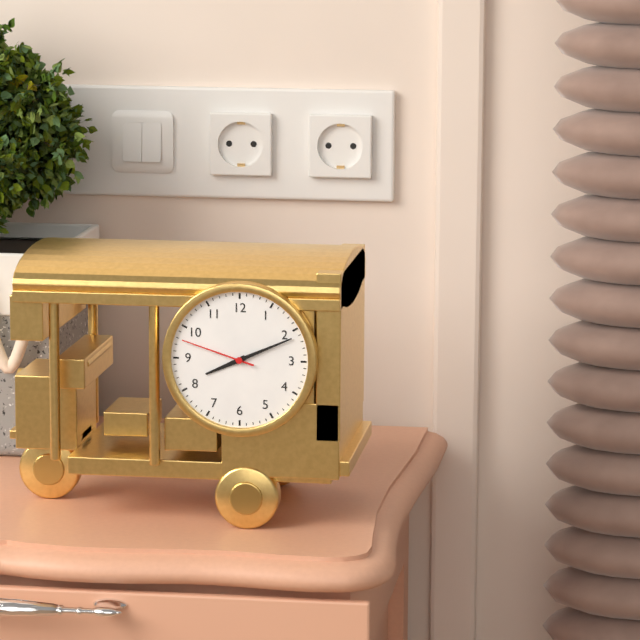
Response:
8.11.48
